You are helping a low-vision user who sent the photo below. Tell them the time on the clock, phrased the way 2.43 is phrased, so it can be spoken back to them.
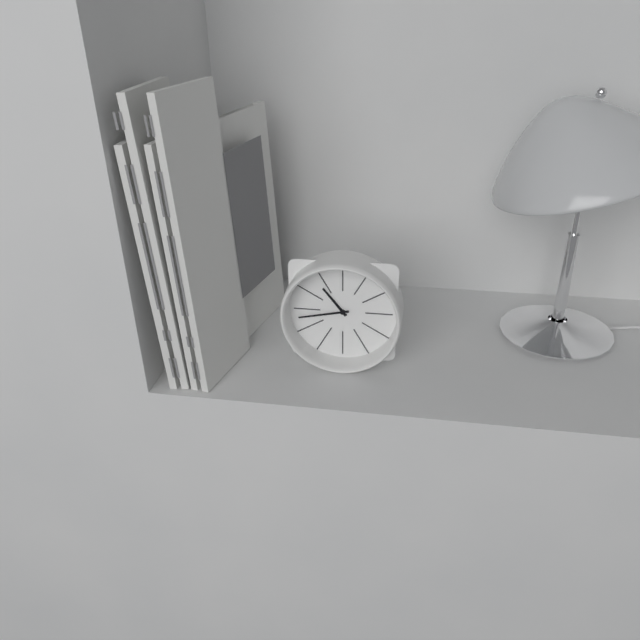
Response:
10.43
